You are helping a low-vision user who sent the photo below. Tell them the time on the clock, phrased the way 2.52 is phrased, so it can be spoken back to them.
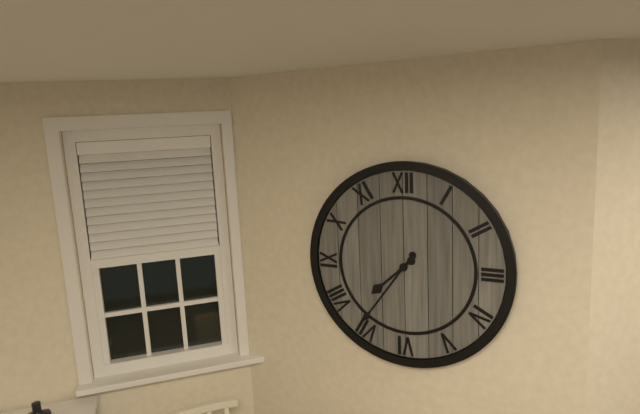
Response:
7.36
